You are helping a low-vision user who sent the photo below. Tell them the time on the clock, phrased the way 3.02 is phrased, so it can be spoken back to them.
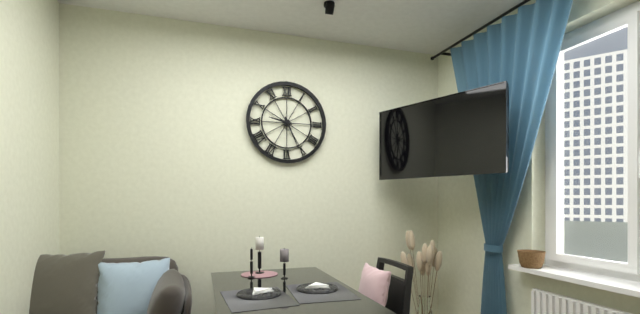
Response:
9.26
